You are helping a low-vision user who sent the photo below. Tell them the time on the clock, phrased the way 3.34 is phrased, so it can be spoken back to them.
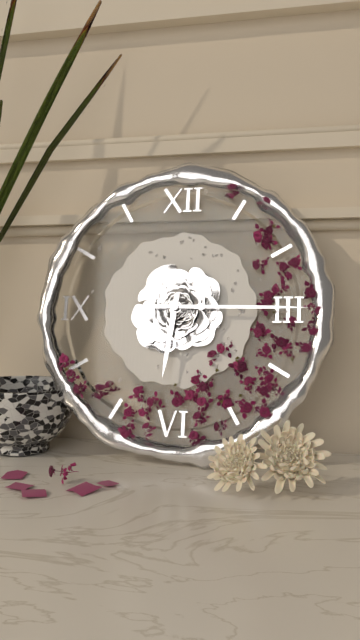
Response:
6.15
